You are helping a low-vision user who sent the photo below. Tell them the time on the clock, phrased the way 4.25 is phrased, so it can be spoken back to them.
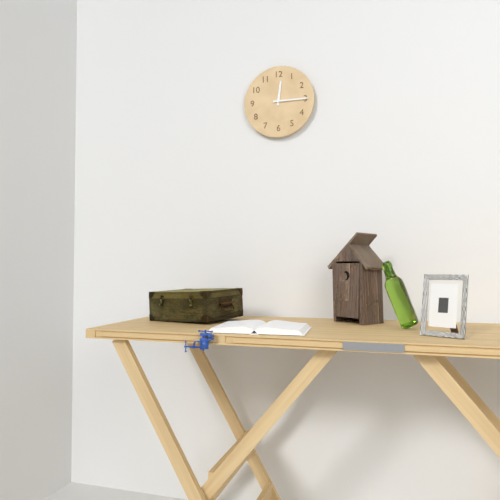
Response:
12.15
